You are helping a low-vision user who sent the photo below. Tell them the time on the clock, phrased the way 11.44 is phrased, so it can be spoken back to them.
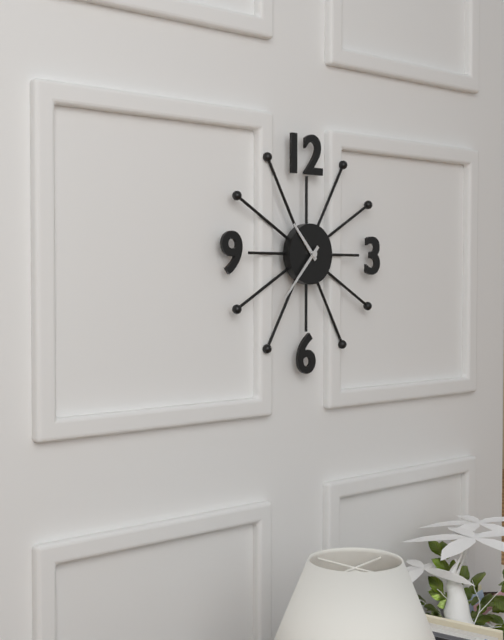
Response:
10.37
